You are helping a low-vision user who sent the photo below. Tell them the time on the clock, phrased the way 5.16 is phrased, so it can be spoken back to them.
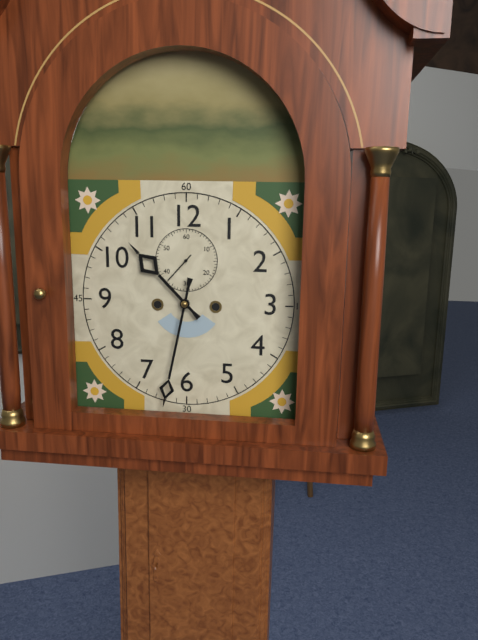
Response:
10.32
